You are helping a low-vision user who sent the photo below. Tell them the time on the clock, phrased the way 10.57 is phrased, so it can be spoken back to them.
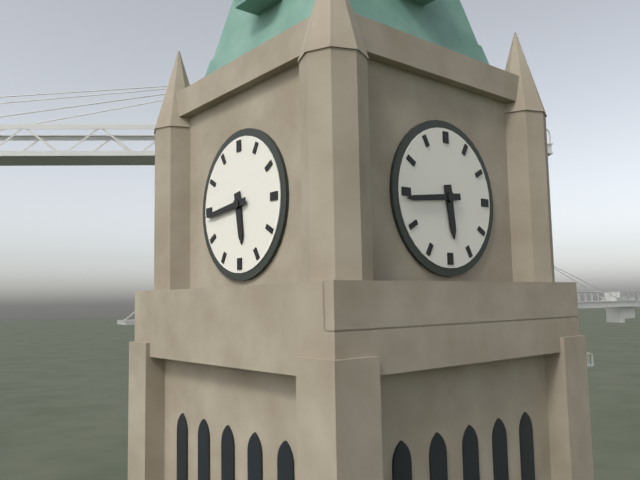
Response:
5.44
